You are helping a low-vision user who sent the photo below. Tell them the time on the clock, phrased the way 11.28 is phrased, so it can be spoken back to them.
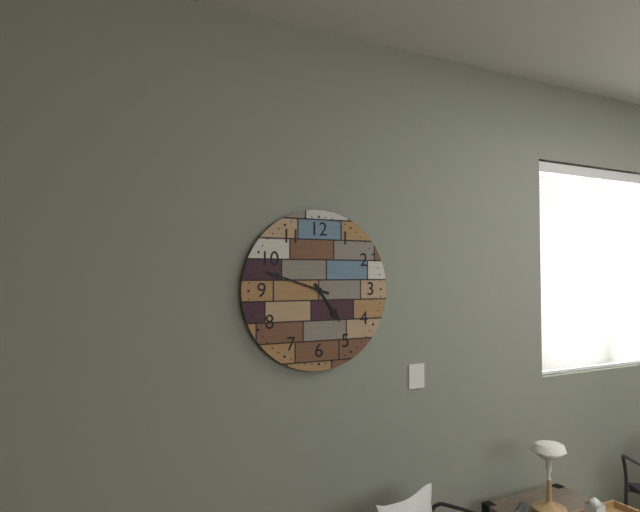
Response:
4.48
